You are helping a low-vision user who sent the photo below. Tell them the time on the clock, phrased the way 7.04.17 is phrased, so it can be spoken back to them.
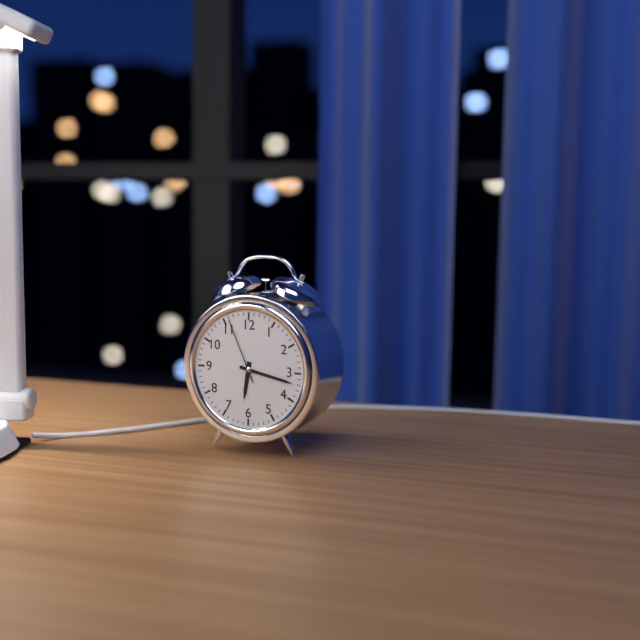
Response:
6.17.56
